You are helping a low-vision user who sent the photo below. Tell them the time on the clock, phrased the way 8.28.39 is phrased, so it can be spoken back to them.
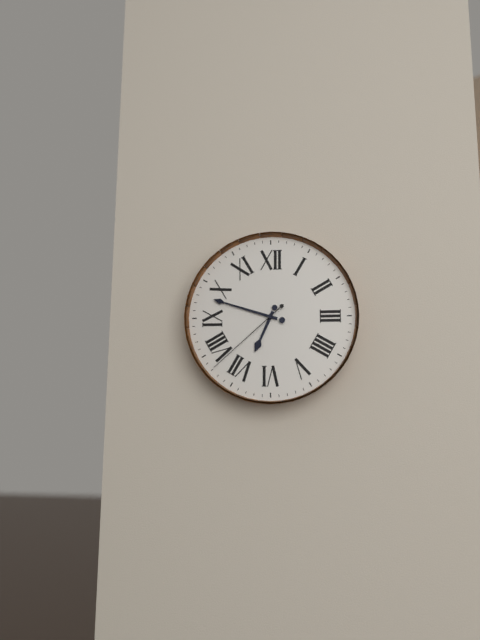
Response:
6.48.38
